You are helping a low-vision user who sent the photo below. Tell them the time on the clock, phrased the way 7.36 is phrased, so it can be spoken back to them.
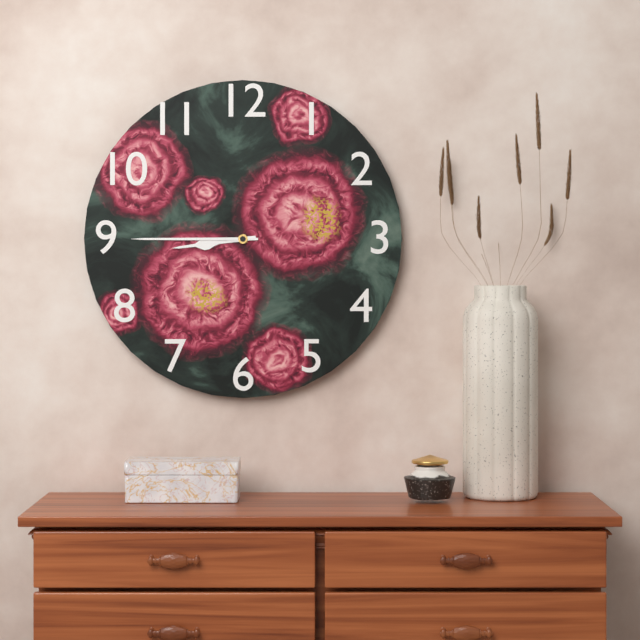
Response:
8.45
